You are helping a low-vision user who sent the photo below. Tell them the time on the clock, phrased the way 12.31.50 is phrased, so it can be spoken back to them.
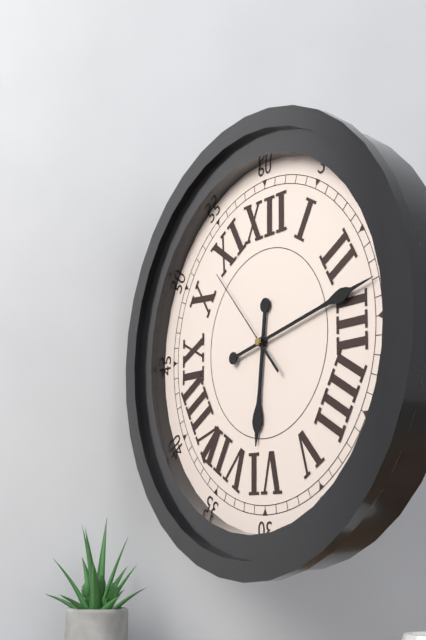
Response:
6.13.53
